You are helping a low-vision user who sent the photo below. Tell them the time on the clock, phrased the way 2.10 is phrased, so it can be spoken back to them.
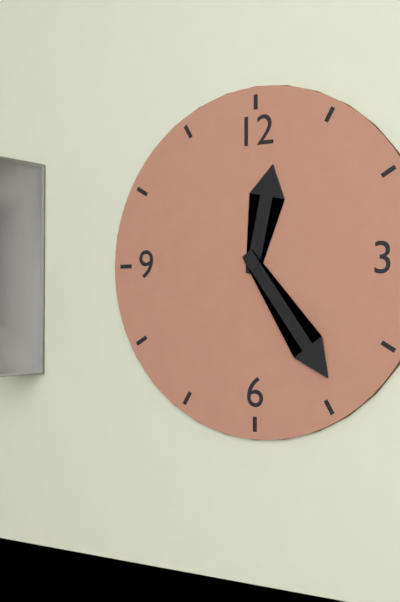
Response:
12.24
